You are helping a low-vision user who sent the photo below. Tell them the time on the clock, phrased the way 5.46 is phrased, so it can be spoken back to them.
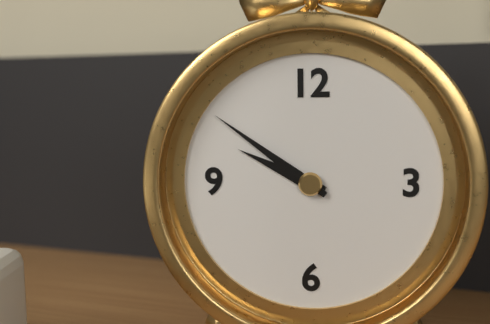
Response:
9.51
